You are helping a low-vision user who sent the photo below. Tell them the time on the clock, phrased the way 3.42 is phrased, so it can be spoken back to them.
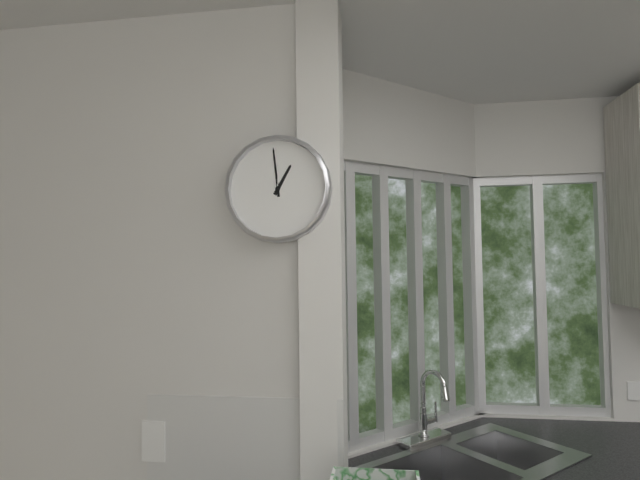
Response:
12.59
